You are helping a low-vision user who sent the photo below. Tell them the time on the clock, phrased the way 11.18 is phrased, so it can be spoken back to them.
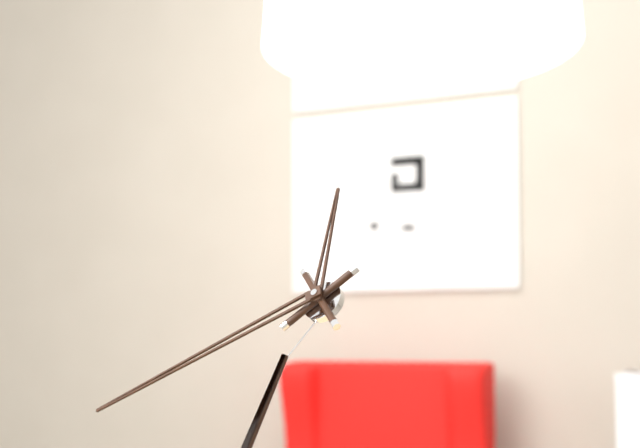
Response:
11.40
